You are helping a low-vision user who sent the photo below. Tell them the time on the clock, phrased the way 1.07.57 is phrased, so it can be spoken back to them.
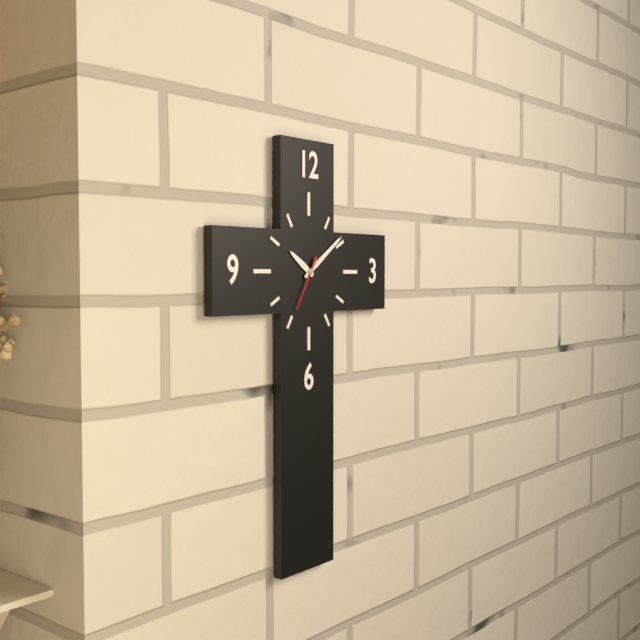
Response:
10.09.35
